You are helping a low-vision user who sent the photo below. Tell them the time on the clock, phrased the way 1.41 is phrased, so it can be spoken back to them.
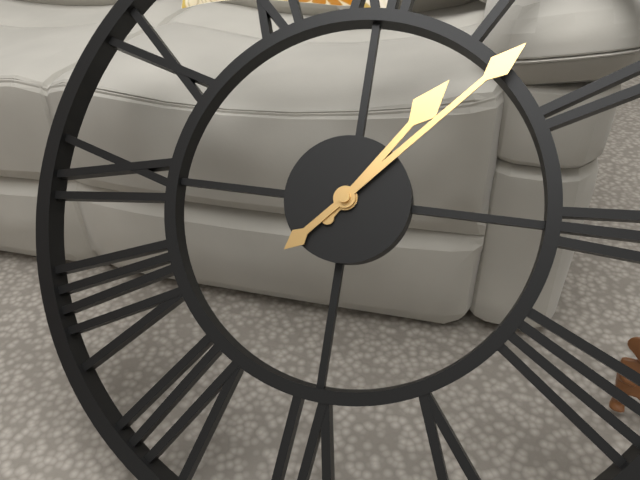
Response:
1.07
